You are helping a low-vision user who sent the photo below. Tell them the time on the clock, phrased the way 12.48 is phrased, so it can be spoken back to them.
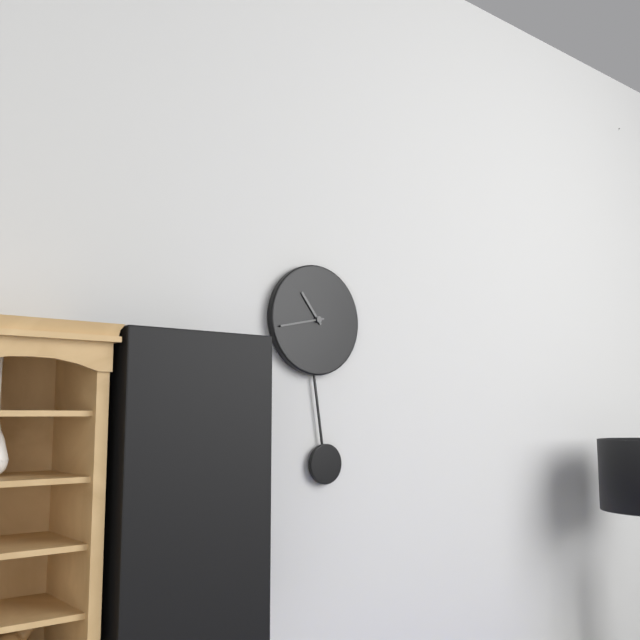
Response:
10.43
